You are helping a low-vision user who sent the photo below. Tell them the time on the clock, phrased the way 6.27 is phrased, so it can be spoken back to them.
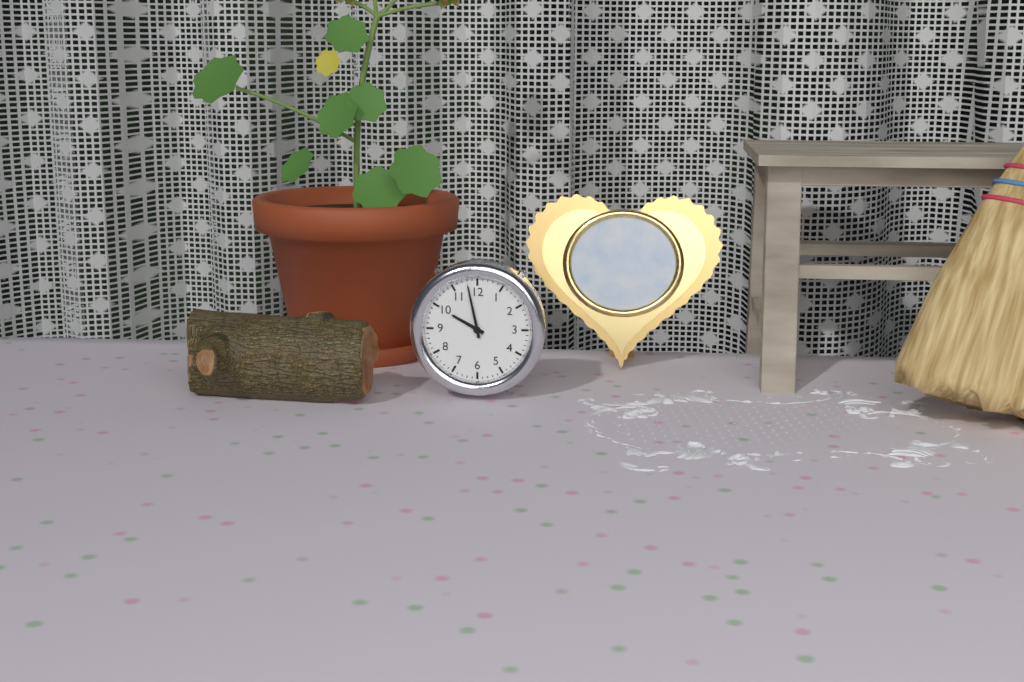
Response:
9.58
